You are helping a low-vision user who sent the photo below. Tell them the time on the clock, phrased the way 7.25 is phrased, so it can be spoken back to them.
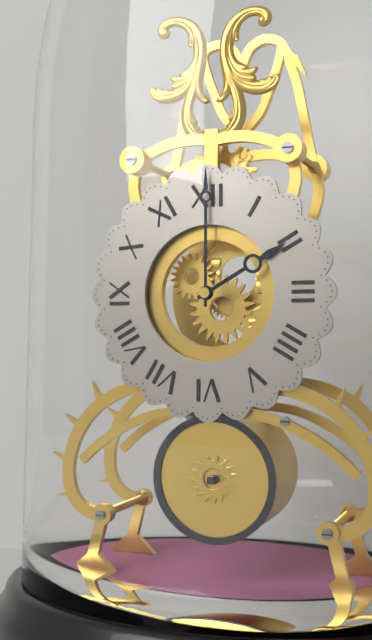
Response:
2.00
